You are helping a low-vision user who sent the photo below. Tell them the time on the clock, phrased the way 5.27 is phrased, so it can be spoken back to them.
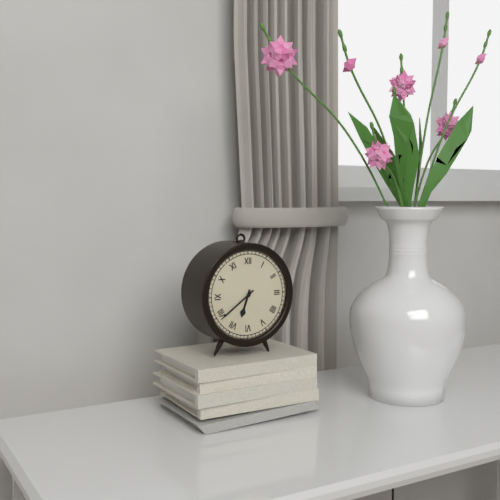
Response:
6.39
